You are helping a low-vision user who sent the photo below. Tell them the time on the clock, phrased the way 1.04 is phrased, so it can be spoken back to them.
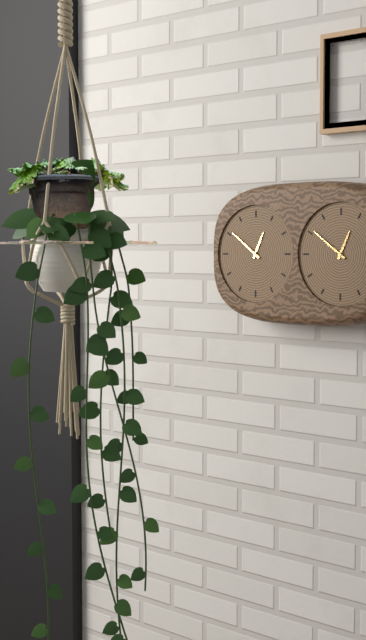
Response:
12.51
